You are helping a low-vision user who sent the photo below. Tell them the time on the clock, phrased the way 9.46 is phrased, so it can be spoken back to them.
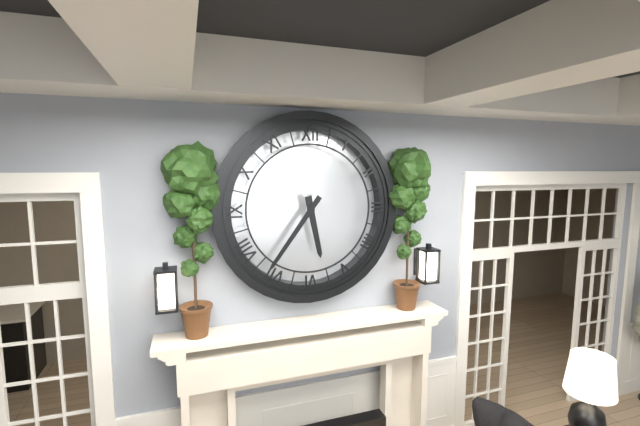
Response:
5.36
